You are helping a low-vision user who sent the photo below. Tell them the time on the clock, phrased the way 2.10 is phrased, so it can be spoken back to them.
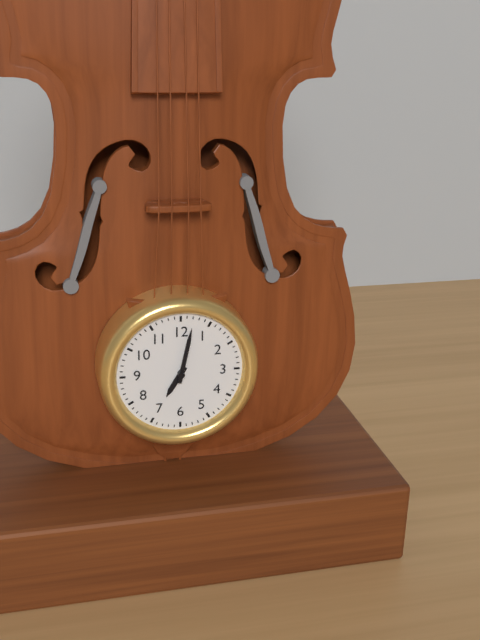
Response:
7.02
